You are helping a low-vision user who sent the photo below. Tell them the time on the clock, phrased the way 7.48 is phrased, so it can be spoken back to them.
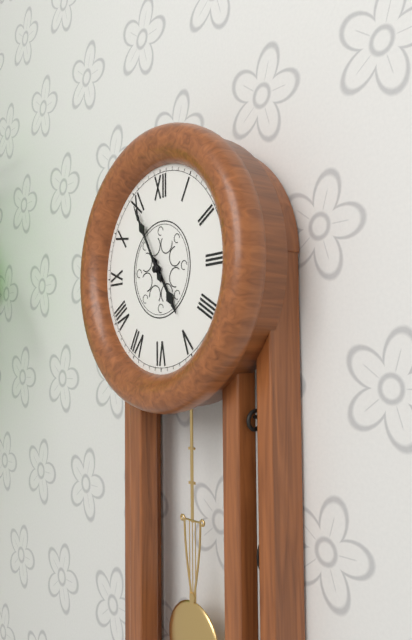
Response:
4.55
